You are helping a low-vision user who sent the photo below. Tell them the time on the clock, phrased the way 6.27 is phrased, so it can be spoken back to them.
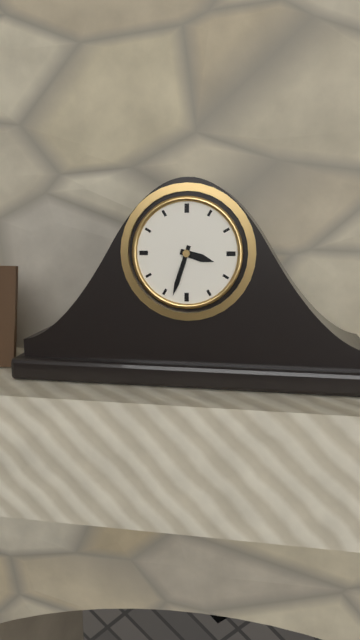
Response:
3.33
